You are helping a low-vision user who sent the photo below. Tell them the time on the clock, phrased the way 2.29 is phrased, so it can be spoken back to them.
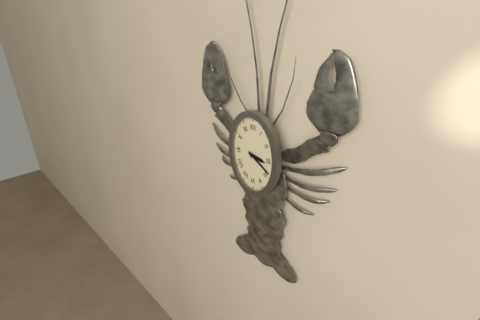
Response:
3.20
